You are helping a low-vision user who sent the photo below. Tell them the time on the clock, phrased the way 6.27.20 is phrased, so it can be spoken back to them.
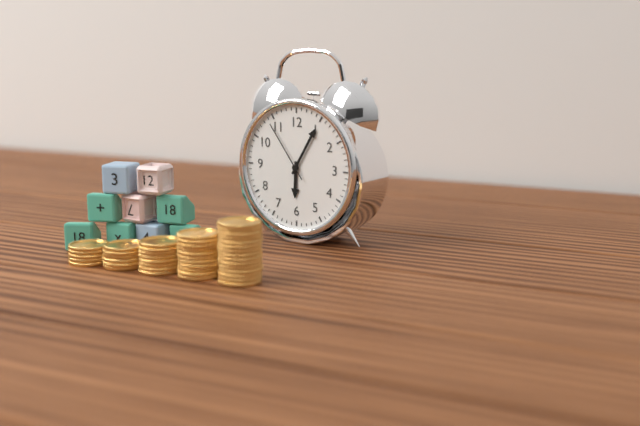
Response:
6.05.54
